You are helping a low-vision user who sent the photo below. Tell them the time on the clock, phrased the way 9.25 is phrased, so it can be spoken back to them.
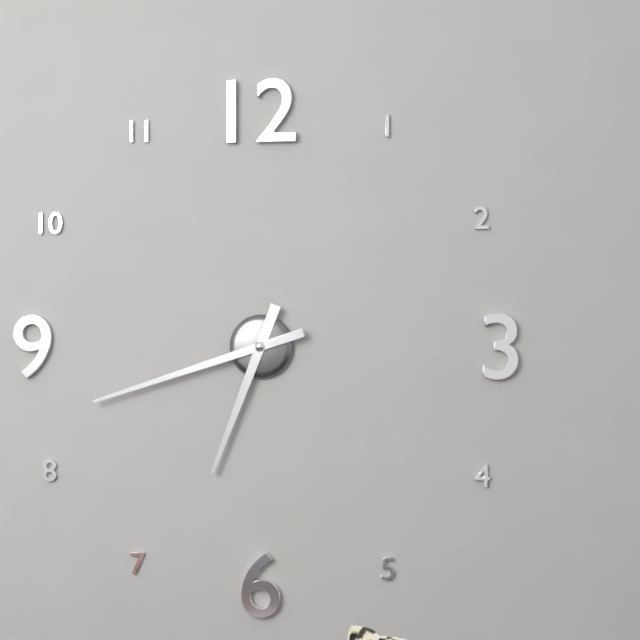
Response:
6.42
